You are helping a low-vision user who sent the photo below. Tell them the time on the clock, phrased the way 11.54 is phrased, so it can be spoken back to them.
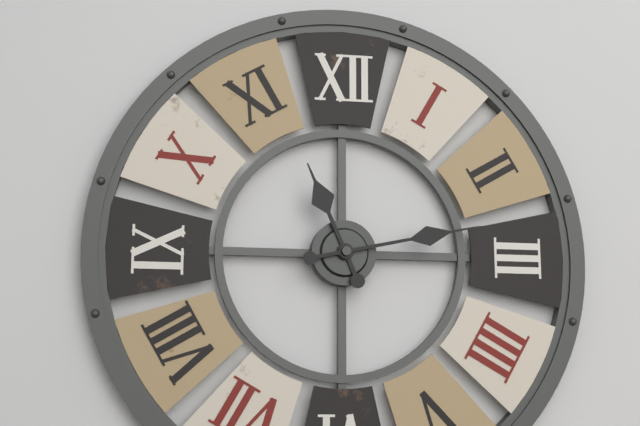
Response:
11.13
